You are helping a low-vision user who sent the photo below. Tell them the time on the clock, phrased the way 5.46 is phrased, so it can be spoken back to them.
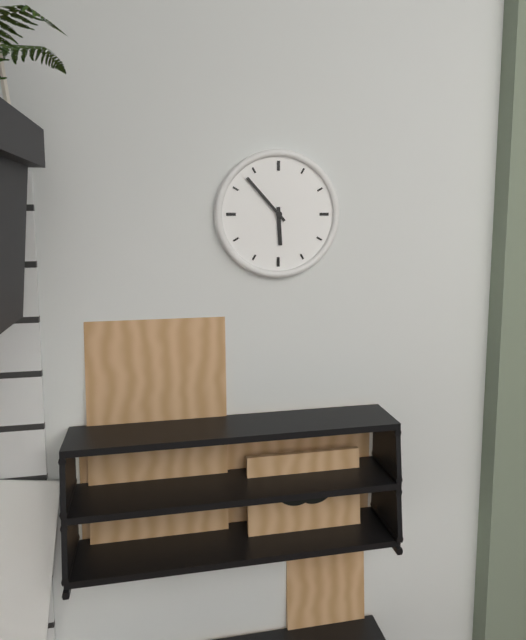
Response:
5.53
